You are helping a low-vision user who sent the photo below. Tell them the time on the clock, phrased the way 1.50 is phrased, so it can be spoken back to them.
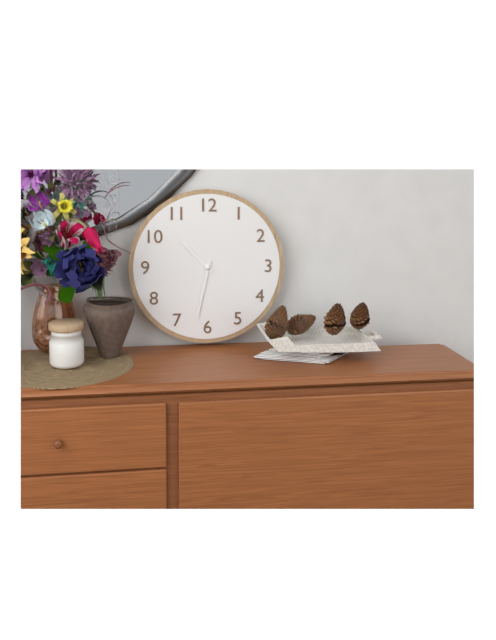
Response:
10.32
